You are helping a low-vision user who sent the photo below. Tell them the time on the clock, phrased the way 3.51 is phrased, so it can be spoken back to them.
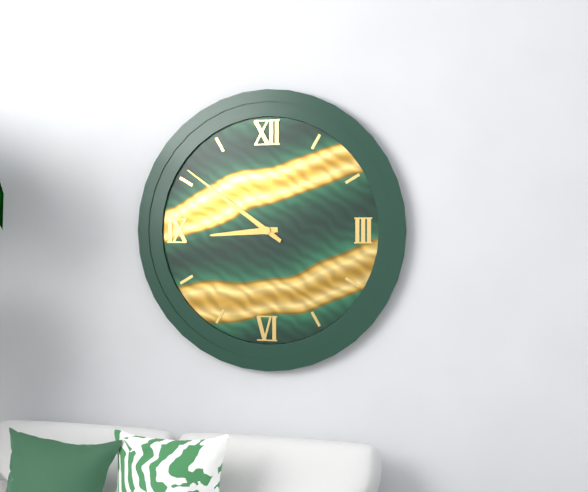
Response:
8.51
